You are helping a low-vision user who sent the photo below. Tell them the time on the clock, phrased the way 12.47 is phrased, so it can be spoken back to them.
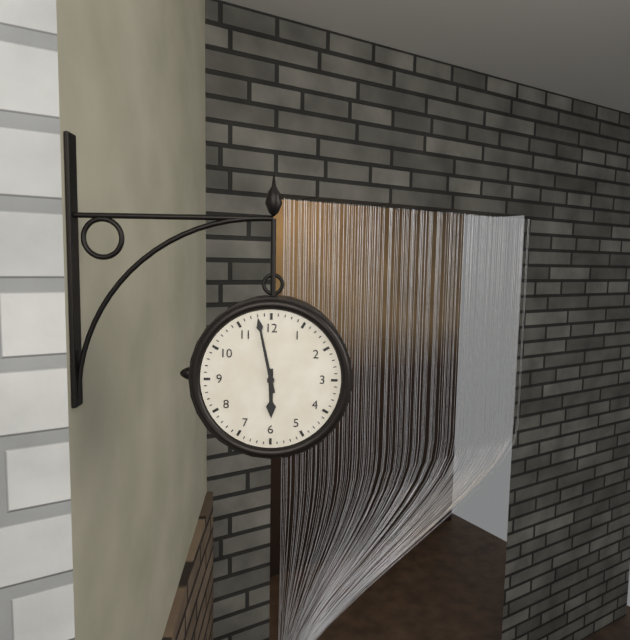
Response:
5.58
